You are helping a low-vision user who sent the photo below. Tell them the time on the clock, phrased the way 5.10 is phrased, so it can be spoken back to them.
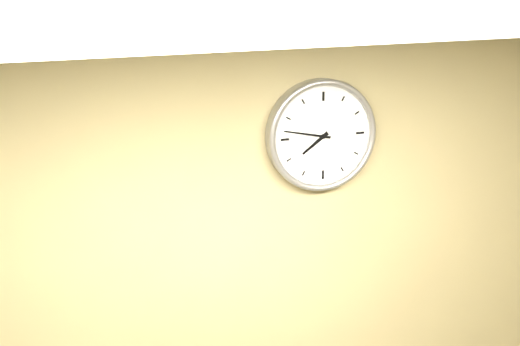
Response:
7.47
